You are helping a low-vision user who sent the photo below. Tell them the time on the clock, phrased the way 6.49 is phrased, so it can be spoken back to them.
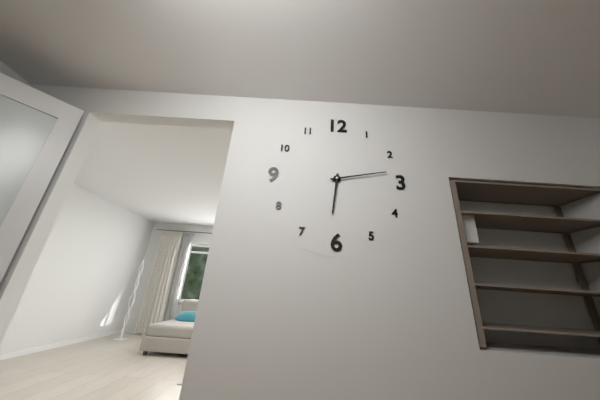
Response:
6.13
